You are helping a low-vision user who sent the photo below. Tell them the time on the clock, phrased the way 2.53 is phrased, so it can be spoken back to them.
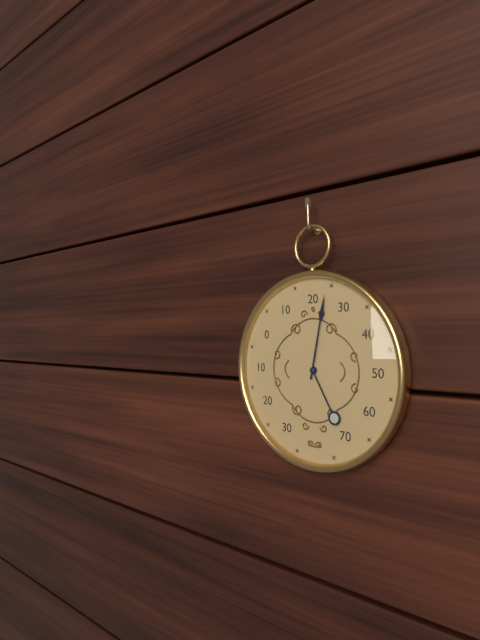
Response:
5.02
